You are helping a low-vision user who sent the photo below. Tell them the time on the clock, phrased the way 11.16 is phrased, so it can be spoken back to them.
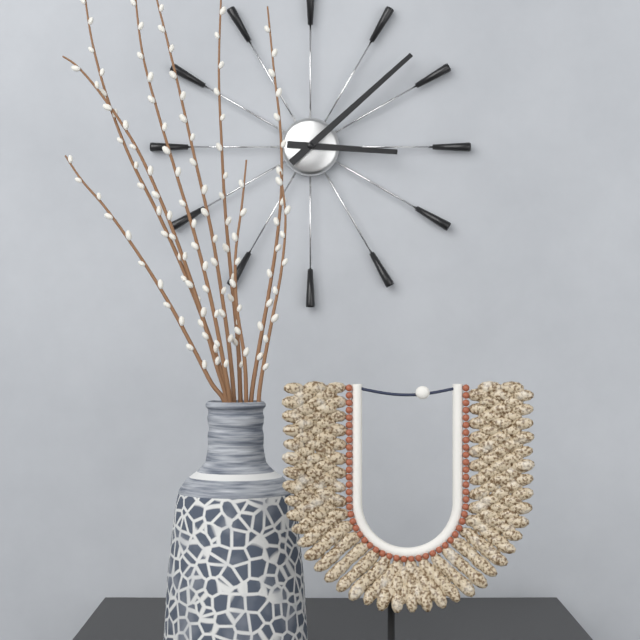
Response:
3.08
